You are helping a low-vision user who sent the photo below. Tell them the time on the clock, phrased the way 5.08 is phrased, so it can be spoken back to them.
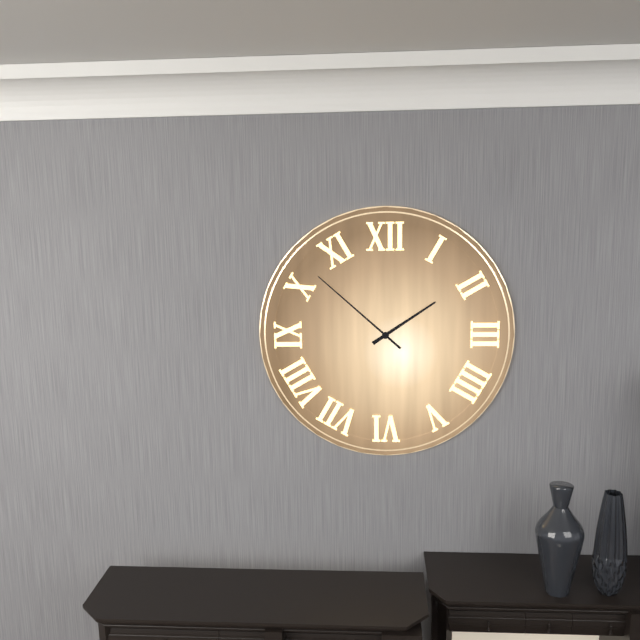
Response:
1.52
